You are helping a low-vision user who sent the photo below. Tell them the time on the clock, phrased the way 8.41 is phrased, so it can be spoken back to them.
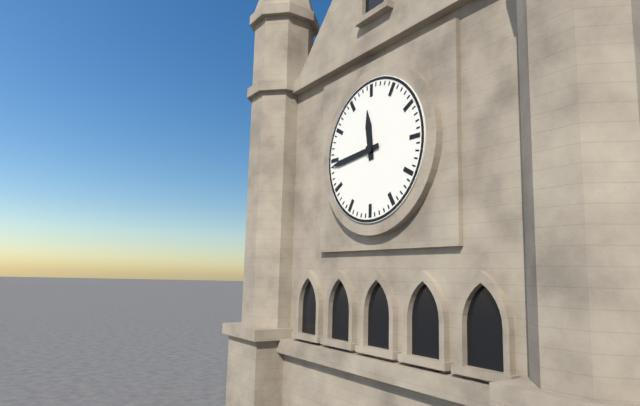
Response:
11.44
